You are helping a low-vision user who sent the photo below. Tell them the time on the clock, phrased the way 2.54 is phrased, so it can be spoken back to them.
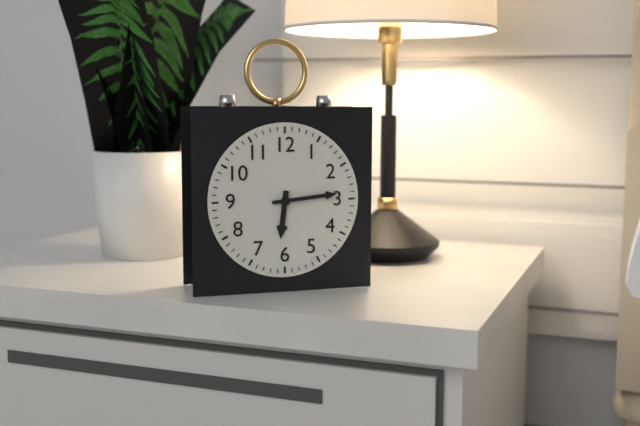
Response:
6.14
